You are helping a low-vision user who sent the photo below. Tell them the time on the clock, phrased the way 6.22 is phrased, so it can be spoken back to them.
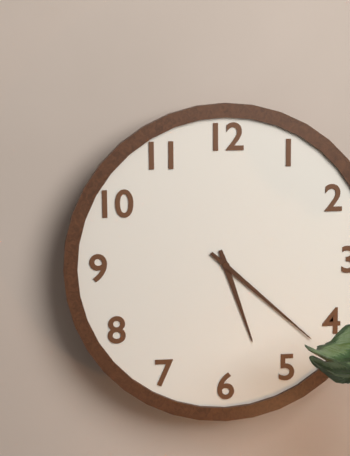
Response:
5.22
